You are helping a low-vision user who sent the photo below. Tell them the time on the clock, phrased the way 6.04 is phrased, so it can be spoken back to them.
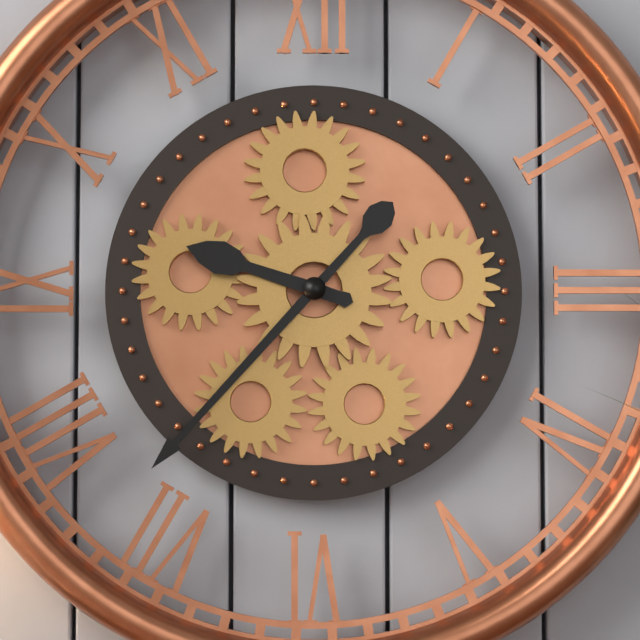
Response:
9.37
